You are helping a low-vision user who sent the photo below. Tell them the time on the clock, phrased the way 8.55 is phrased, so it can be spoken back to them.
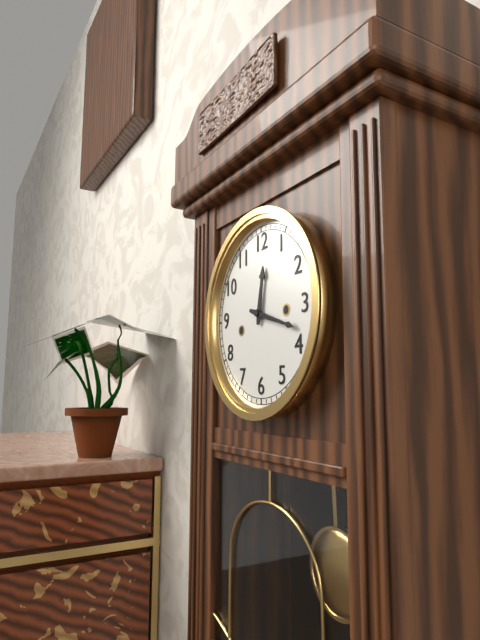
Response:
12.18
